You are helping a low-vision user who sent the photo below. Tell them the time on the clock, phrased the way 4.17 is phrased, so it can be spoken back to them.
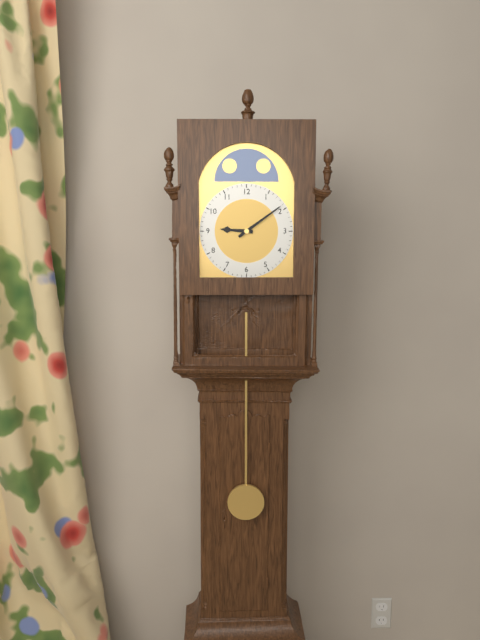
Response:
9.09
